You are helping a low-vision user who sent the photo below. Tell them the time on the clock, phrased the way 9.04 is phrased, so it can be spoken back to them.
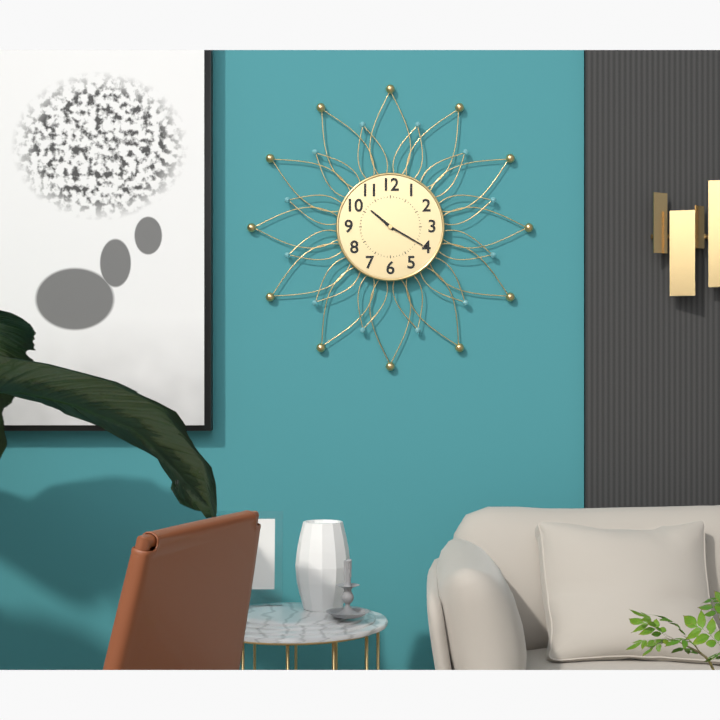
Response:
10.20
